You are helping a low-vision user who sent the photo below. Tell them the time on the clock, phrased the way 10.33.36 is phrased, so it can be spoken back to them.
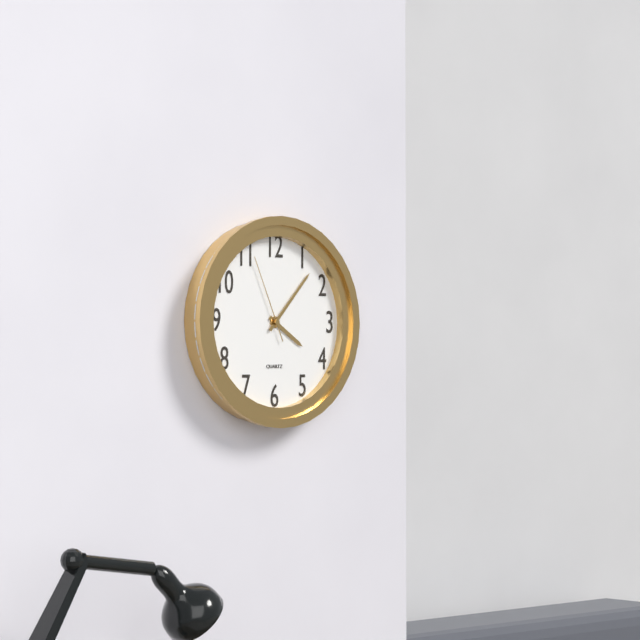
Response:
4.07.56
